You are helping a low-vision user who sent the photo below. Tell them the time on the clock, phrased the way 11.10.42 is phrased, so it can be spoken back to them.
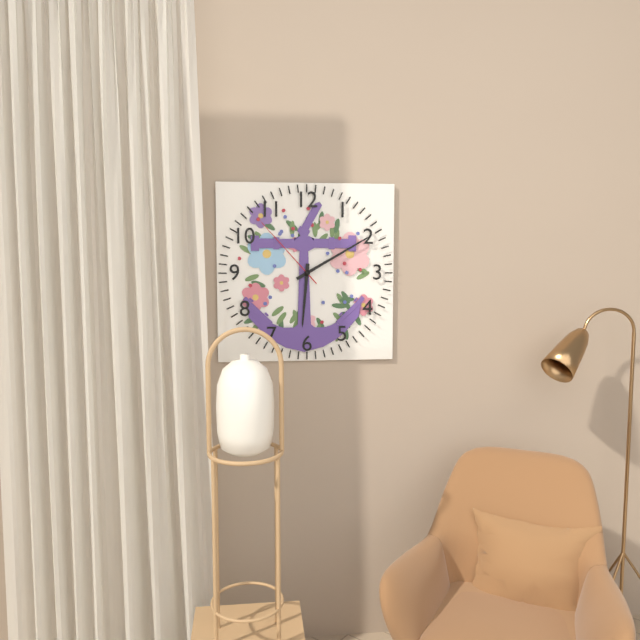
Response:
6.10.53
